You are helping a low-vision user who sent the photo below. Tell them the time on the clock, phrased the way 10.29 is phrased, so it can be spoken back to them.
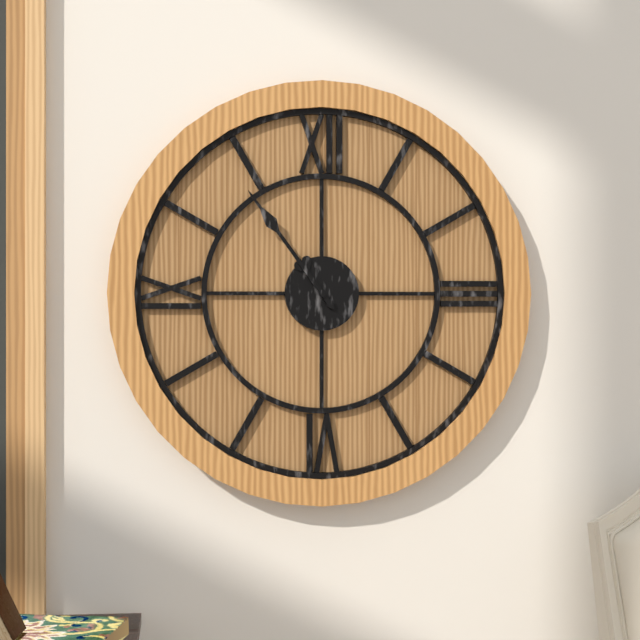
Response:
10.54
